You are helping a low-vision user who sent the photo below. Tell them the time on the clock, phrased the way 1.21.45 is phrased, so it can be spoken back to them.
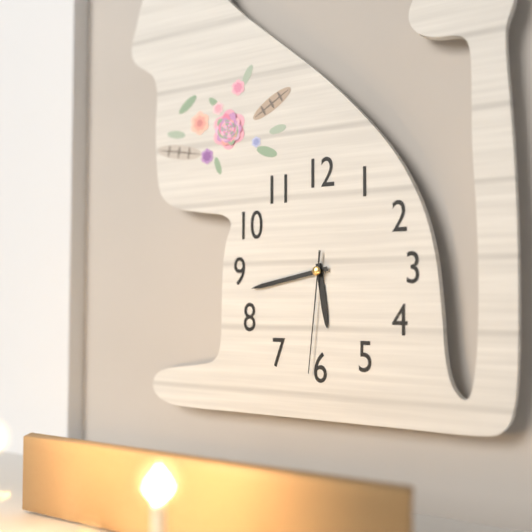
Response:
5.43.31
